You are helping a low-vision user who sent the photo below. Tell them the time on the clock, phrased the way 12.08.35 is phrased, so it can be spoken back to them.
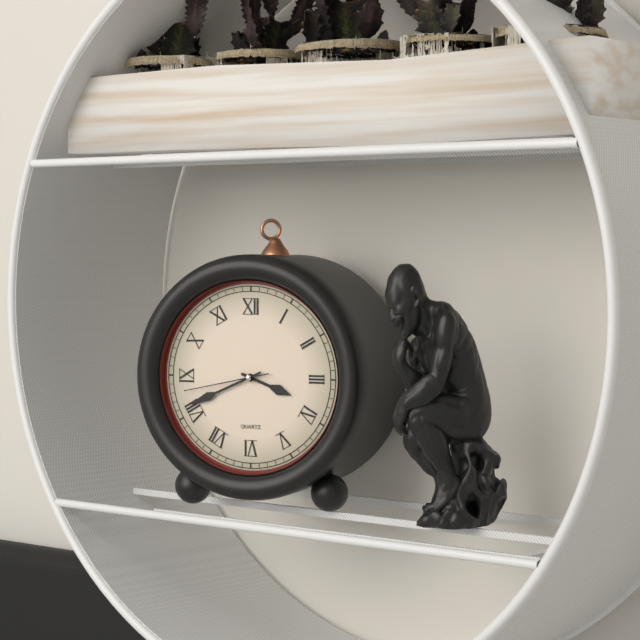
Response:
3.41.43
